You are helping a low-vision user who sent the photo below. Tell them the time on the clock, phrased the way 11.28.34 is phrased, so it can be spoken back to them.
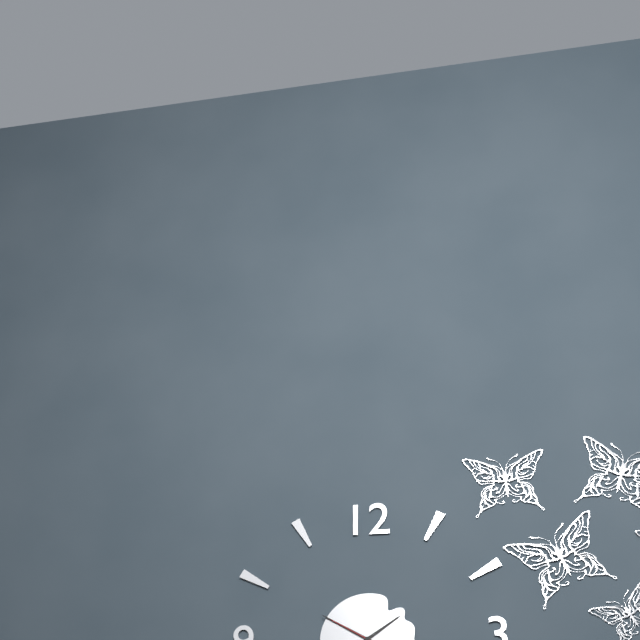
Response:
1.50.50
